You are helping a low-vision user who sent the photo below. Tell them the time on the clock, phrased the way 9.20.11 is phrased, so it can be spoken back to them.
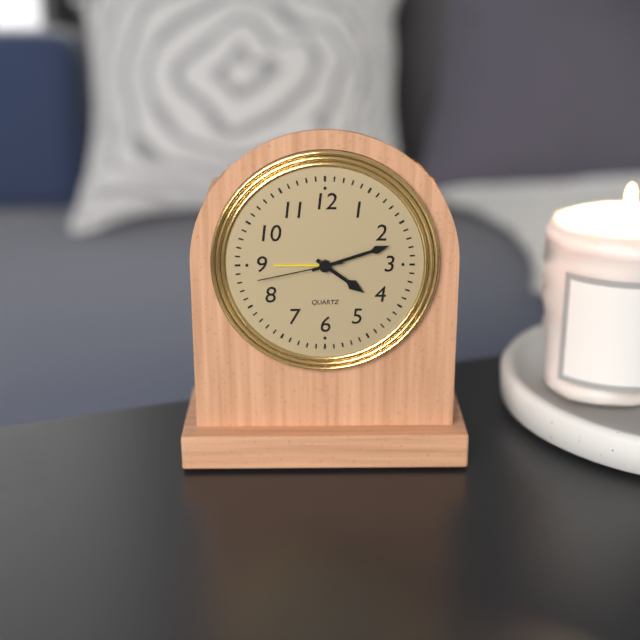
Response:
4.12.43
